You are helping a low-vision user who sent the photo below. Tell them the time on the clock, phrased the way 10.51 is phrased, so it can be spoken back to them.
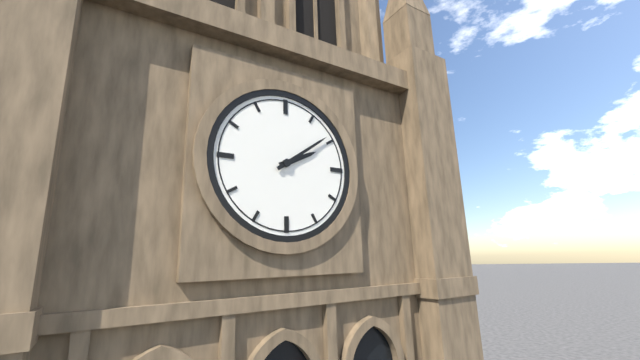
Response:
2.09
